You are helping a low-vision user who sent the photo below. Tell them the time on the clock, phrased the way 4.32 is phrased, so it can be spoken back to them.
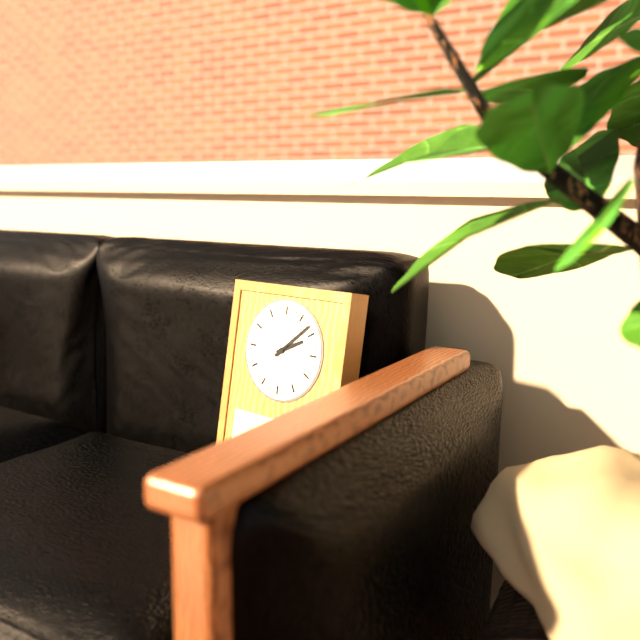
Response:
2.08
